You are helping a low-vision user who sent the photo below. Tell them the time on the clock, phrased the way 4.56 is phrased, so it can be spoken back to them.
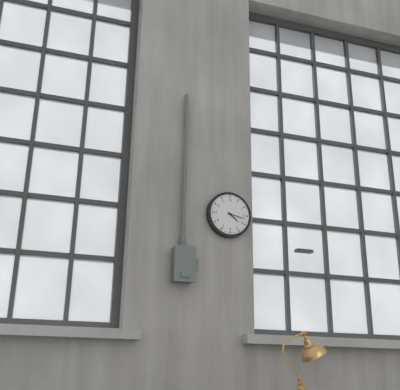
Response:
4.17
